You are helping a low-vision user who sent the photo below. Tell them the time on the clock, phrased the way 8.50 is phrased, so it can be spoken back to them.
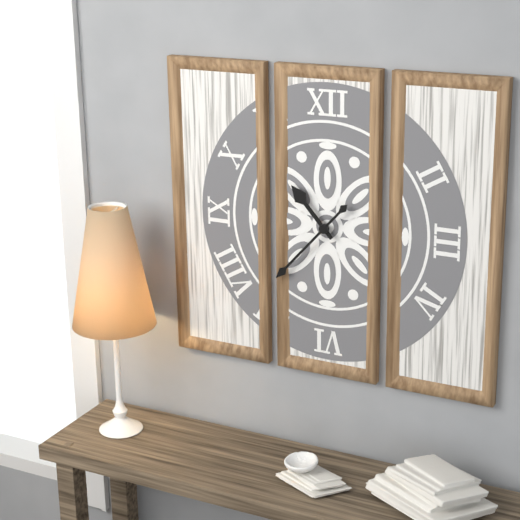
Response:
10.37
